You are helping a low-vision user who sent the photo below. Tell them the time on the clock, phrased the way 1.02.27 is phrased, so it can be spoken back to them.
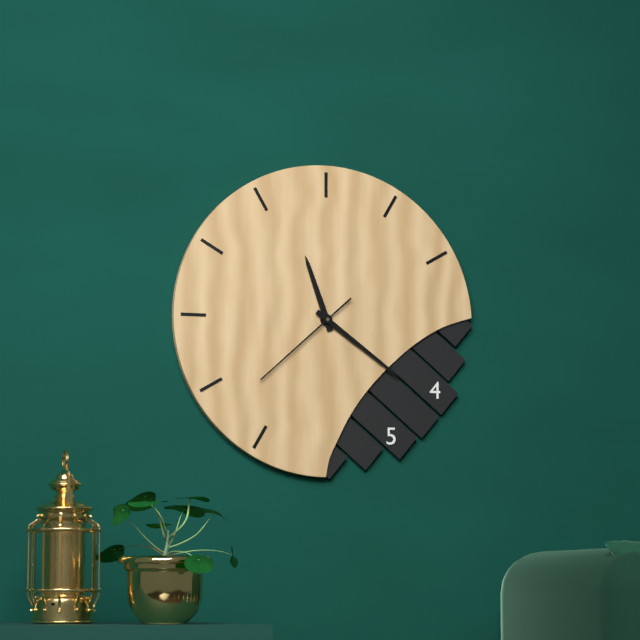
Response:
11.21.38
